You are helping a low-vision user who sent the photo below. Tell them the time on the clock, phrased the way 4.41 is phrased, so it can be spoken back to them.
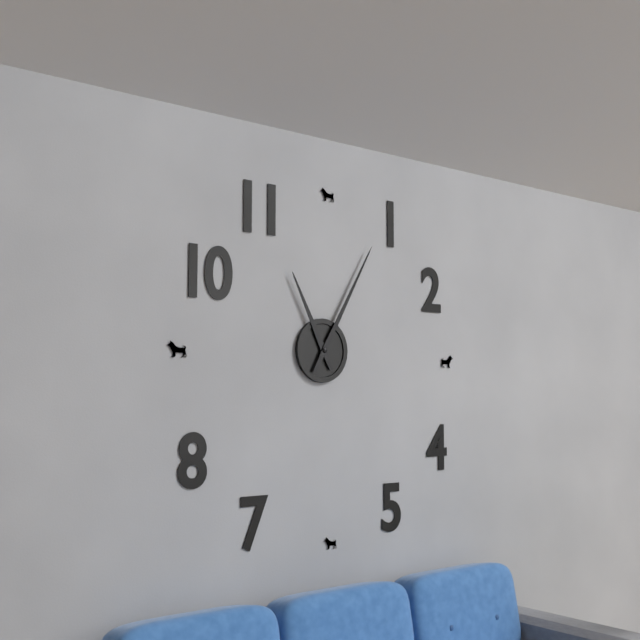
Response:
11.05
